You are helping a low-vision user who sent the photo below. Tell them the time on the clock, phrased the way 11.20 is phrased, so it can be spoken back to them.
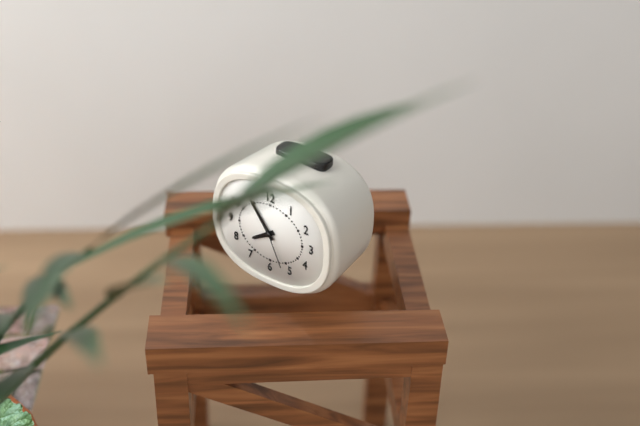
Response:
7.54
